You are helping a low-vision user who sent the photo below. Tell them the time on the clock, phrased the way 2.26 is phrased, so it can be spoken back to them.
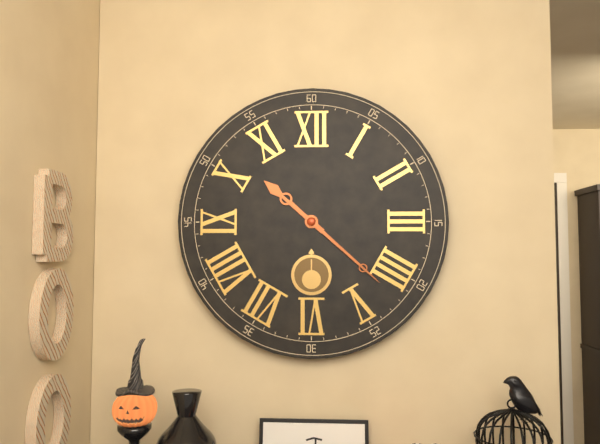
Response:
10.22
